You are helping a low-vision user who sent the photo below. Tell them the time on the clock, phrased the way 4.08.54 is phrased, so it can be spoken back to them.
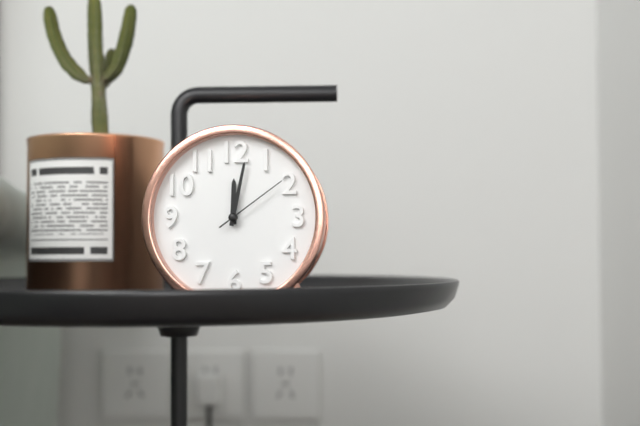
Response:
12.02.09
